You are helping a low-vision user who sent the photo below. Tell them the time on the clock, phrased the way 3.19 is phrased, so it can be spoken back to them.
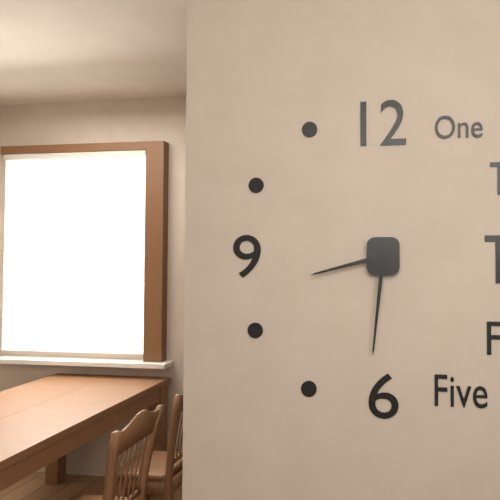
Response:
8.31
